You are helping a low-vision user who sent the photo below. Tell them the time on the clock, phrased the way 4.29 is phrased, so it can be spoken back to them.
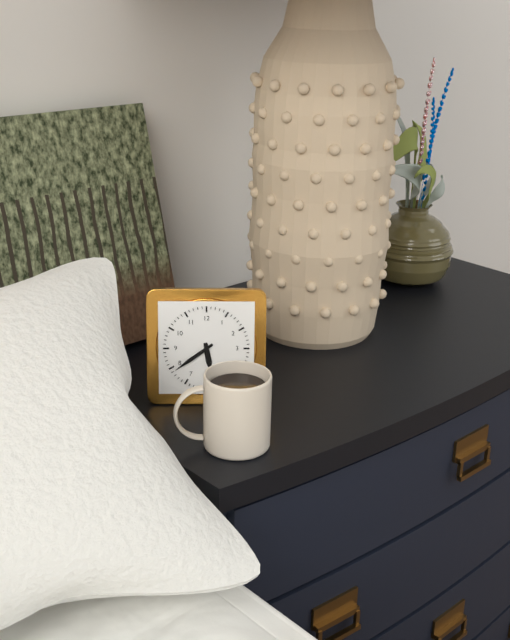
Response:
5.39
